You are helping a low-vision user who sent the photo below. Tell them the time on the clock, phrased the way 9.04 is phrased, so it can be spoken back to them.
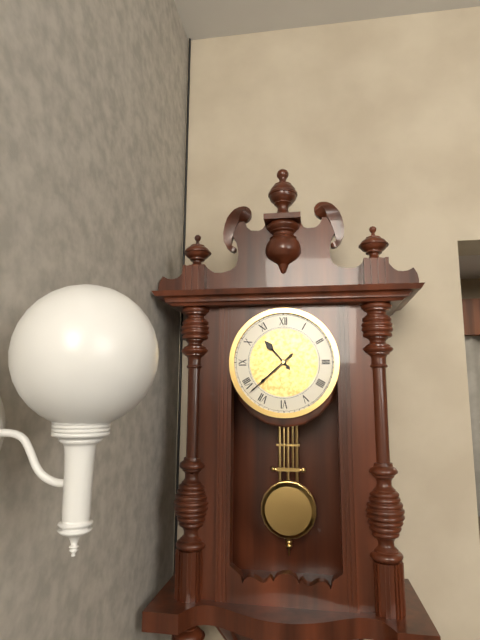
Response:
10.38
